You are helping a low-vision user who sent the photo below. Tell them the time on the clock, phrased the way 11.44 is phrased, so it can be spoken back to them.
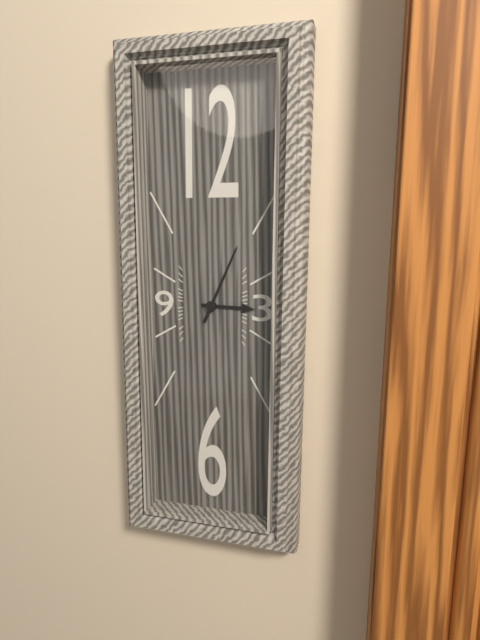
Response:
3.04
